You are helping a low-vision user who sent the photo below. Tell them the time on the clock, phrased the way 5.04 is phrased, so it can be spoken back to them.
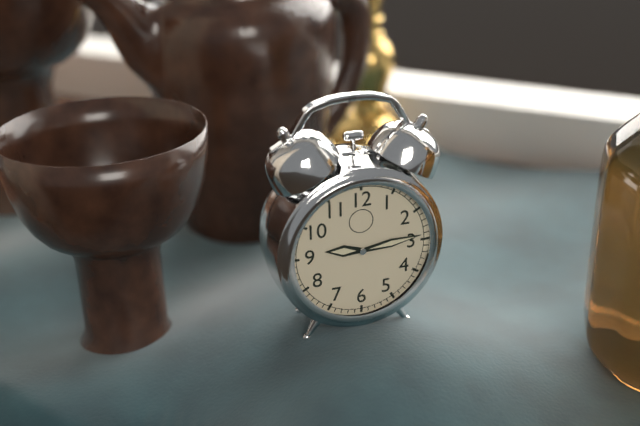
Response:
9.14
